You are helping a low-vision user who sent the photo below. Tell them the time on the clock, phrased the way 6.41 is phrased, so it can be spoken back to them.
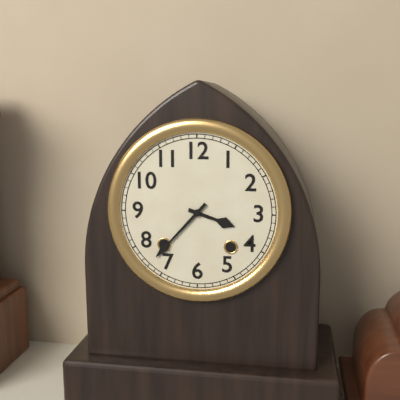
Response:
3.37
